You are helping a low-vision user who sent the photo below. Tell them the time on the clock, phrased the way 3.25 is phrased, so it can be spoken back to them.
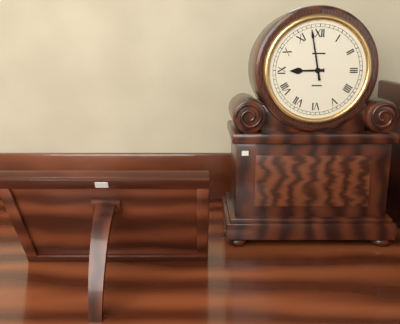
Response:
8.58
